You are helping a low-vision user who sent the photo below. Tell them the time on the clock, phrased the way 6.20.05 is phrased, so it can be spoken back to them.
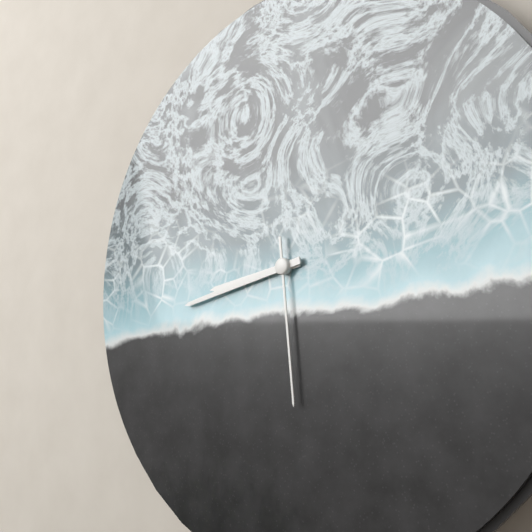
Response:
8.43.29
